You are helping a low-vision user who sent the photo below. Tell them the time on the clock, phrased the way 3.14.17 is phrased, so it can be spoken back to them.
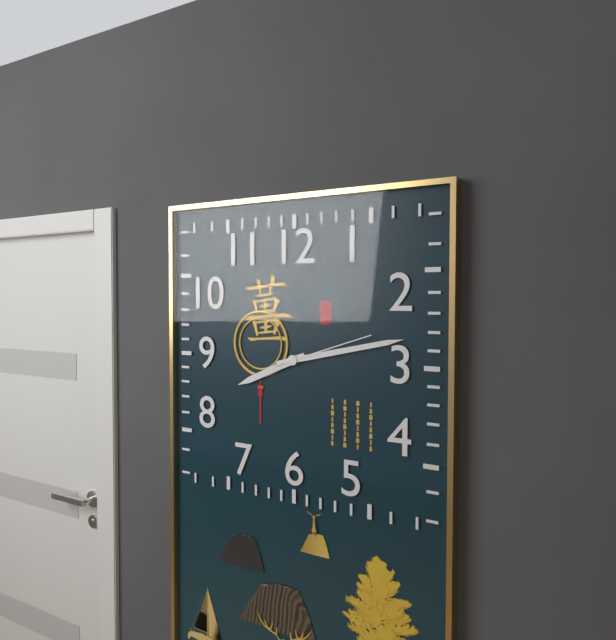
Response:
8.13.12
